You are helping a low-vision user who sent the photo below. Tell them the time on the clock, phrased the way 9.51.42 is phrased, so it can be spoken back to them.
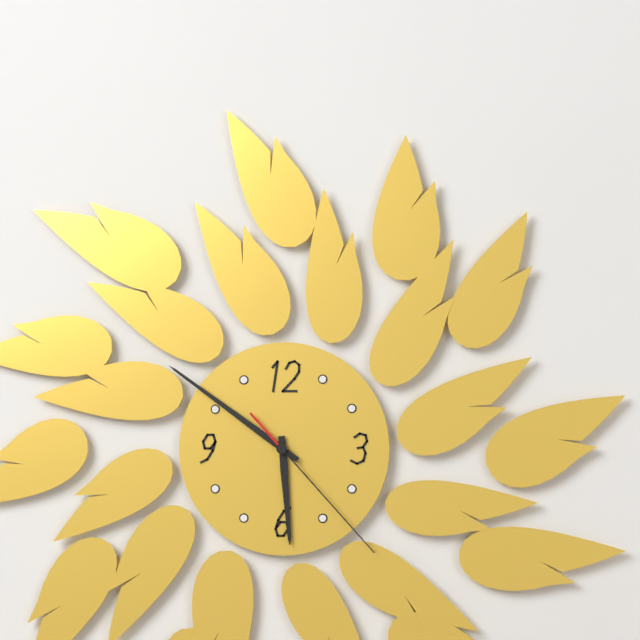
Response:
5.51.23
